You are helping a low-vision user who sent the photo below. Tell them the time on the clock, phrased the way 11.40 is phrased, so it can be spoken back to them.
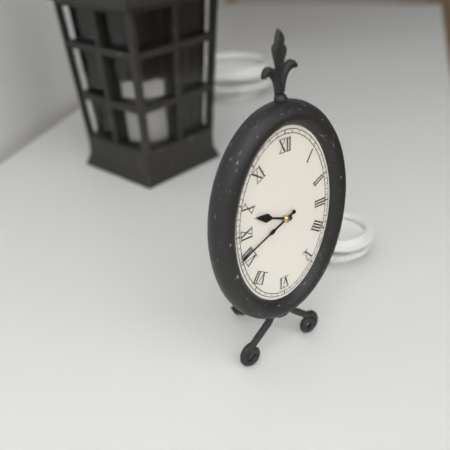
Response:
9.41
